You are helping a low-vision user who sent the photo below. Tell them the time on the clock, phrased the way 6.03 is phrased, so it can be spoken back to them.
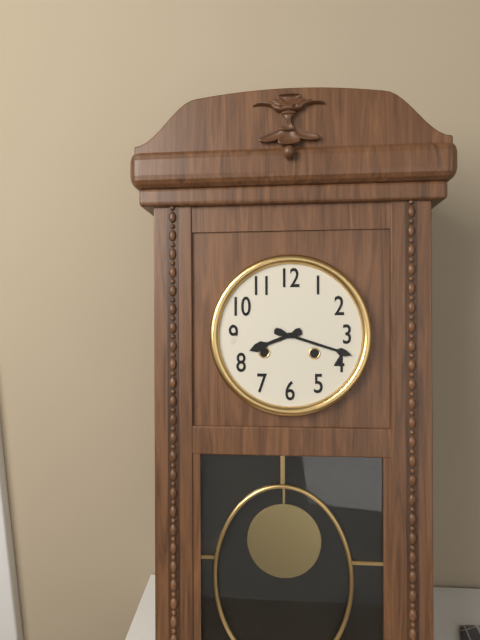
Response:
8.18
